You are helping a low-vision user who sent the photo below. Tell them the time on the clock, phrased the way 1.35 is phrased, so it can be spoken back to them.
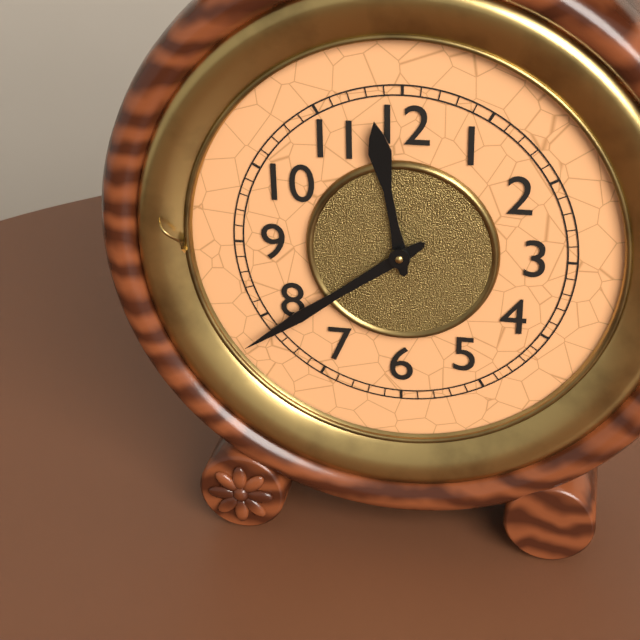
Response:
11.39
